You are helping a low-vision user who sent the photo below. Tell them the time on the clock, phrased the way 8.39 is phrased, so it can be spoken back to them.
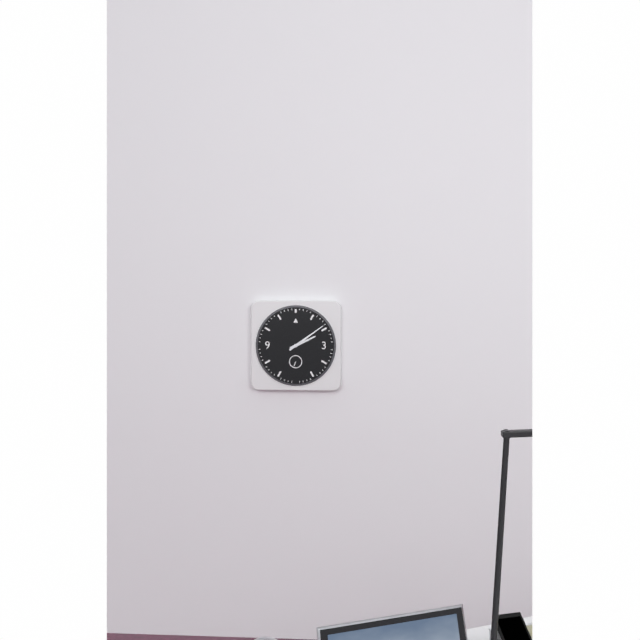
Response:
2.09
